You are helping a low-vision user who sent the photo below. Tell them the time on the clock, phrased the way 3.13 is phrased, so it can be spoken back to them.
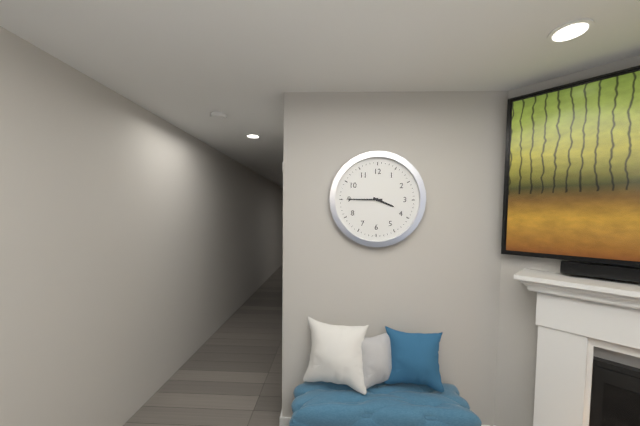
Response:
3.45
